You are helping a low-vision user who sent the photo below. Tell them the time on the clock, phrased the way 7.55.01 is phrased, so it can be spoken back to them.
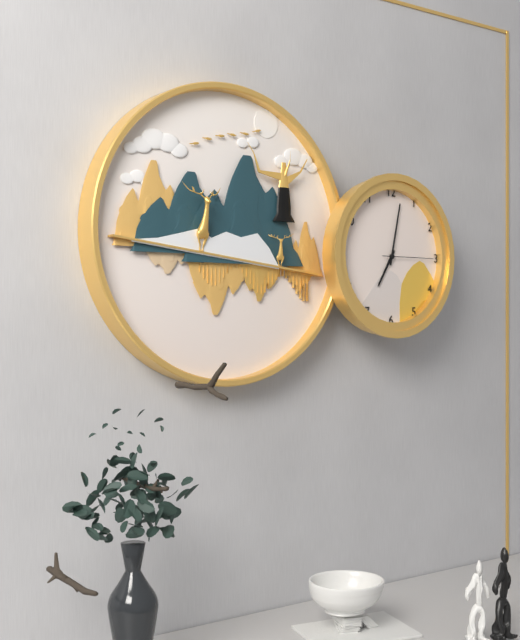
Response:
7.02.15
